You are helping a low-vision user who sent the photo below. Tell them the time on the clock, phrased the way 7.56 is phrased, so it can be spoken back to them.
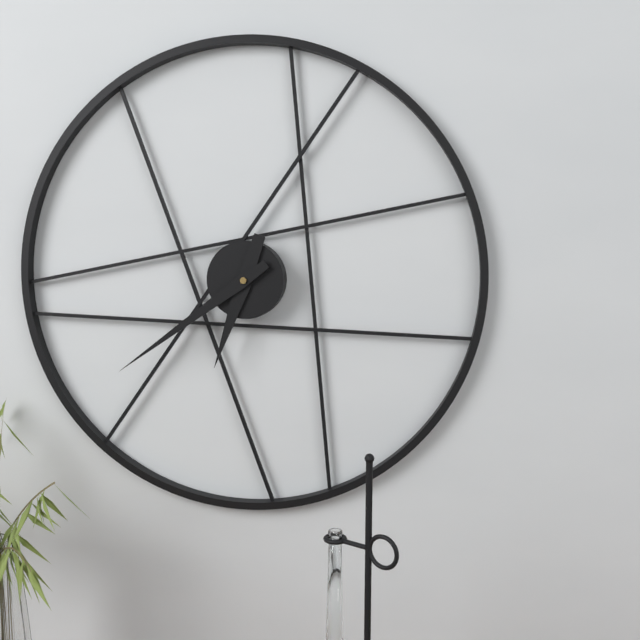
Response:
6.39
